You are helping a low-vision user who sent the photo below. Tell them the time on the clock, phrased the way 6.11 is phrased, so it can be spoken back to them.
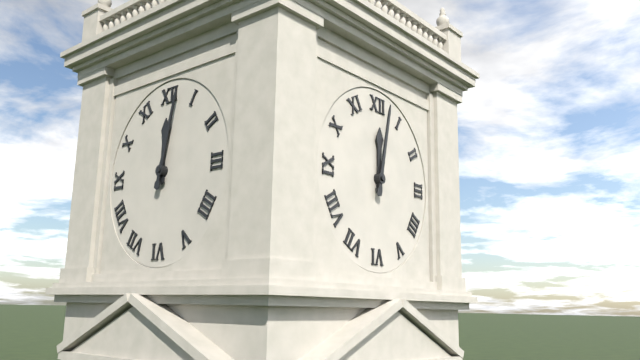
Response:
12.02
